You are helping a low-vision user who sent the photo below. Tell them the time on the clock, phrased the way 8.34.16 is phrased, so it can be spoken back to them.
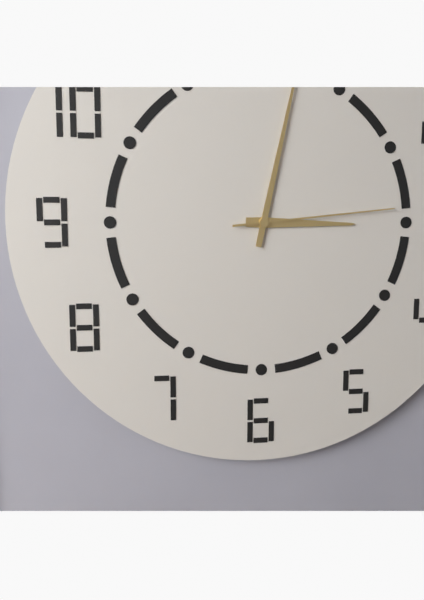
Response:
3.02.14
